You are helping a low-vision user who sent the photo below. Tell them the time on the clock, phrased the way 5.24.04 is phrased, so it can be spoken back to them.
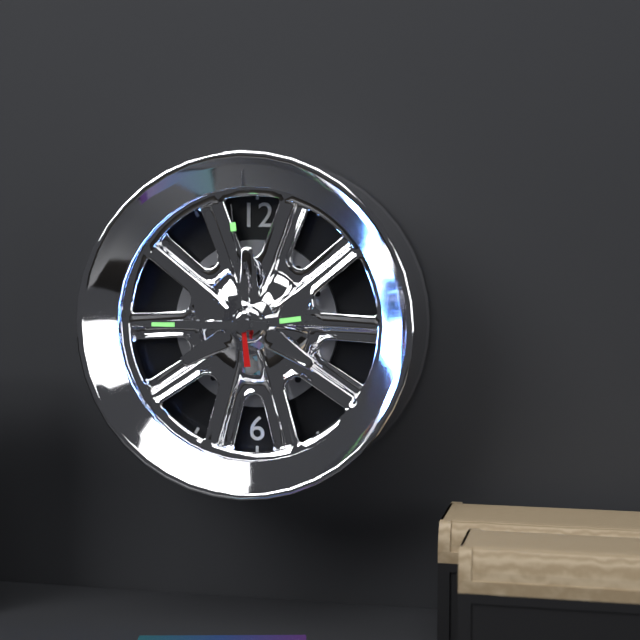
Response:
2.45.59
